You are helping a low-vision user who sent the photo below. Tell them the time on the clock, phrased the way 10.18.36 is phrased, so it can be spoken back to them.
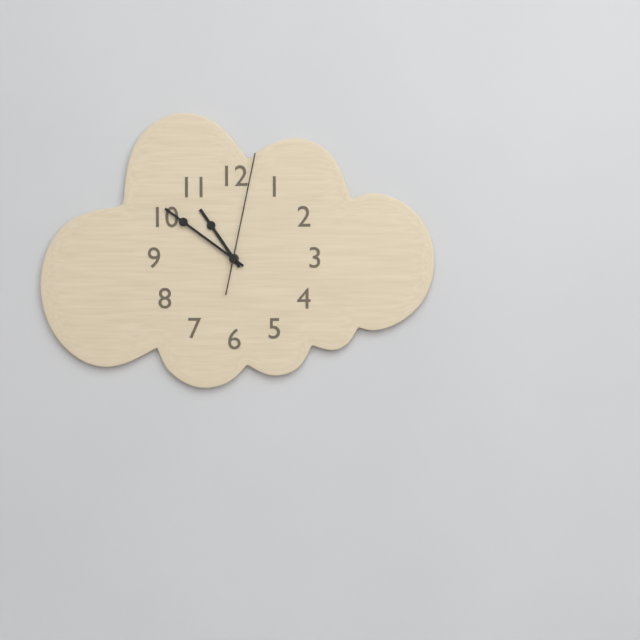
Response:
10.51.02
